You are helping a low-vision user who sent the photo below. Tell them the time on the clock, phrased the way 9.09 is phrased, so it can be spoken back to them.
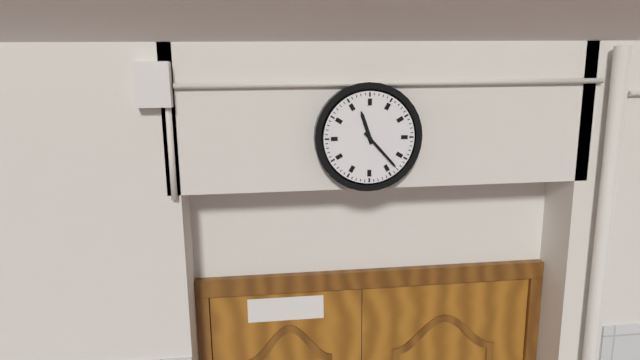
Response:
11.23
